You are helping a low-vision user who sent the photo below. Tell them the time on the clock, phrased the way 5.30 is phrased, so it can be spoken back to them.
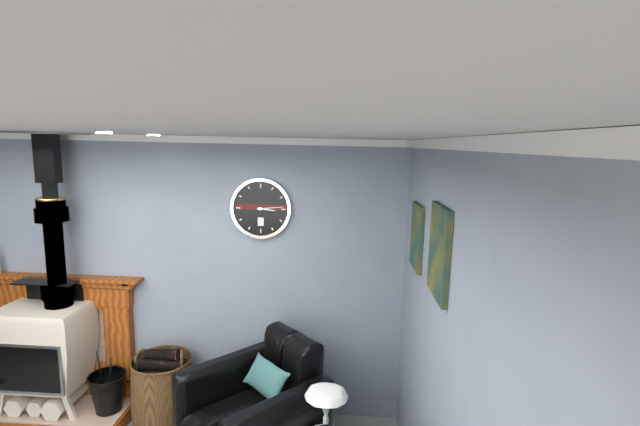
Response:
3.14
